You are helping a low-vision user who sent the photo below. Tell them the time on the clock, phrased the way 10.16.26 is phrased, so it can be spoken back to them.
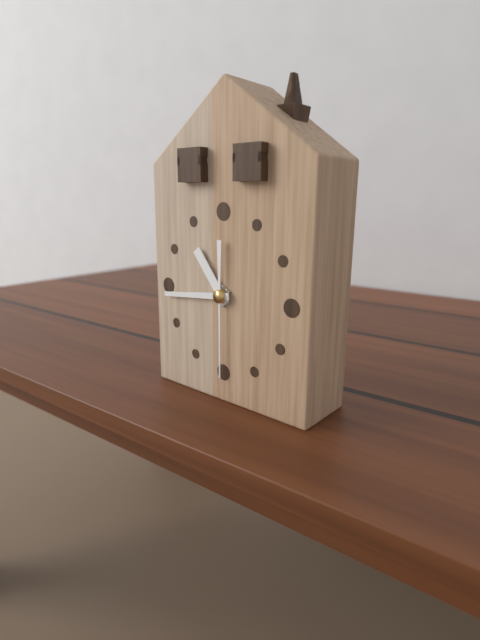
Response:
10.44.30
